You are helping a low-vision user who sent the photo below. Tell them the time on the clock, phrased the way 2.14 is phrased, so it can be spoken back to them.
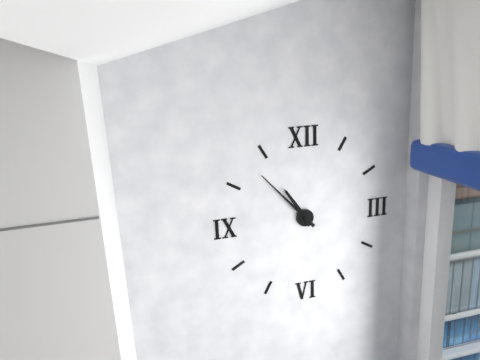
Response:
10.53
